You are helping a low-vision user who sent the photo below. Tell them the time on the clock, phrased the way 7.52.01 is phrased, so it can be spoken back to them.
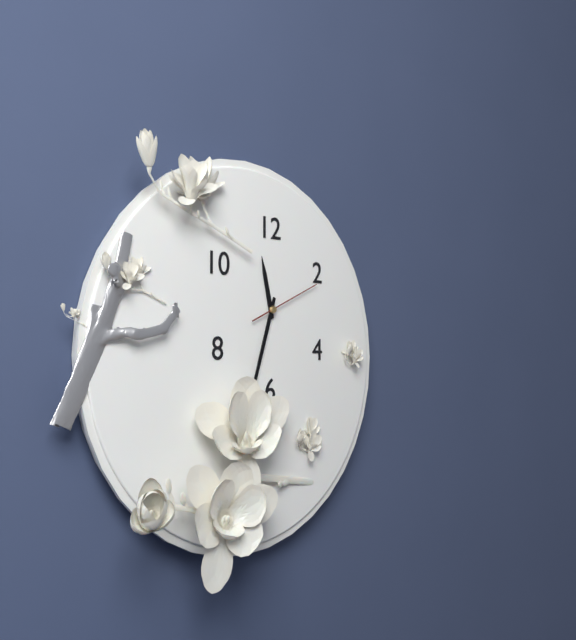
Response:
11.33.11
